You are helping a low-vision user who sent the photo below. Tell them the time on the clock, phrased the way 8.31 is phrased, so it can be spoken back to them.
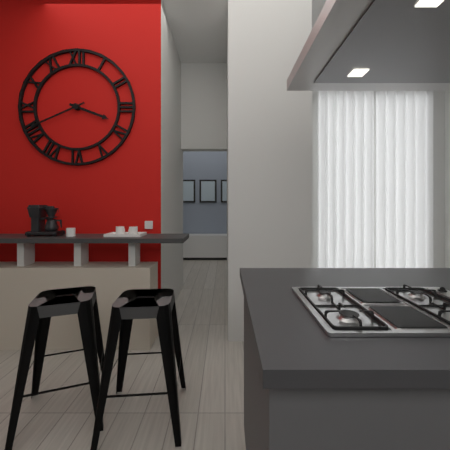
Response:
3.41
